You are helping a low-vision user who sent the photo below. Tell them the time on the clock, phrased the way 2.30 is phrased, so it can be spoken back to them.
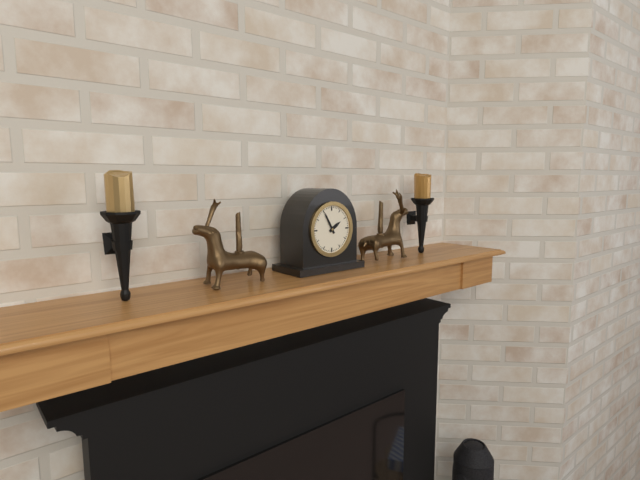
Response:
1.55
